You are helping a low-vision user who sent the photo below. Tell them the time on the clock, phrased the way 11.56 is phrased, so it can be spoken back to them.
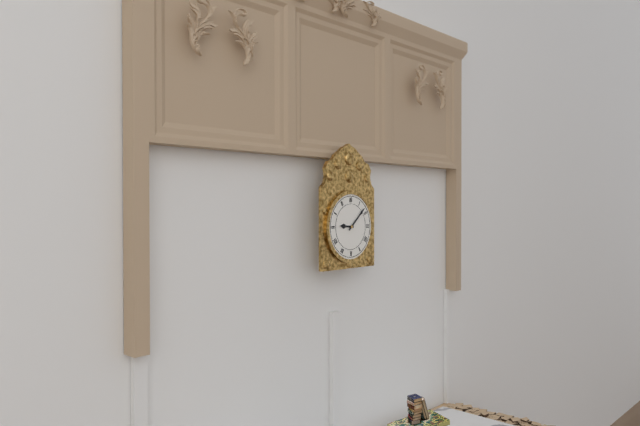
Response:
9.08
